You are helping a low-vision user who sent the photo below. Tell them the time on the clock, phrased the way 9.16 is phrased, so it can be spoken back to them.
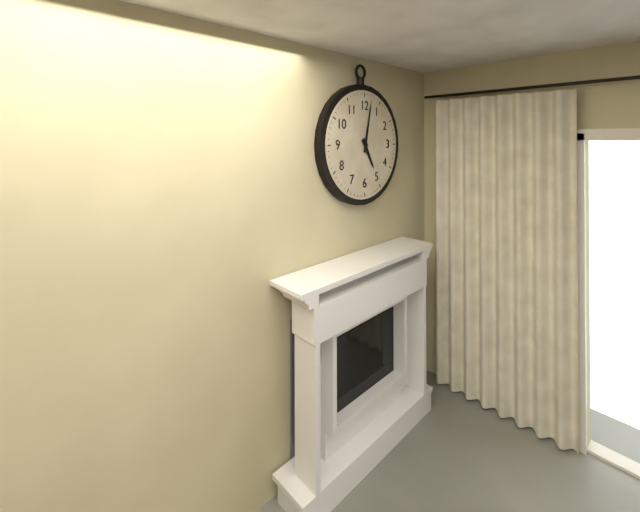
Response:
5.02
